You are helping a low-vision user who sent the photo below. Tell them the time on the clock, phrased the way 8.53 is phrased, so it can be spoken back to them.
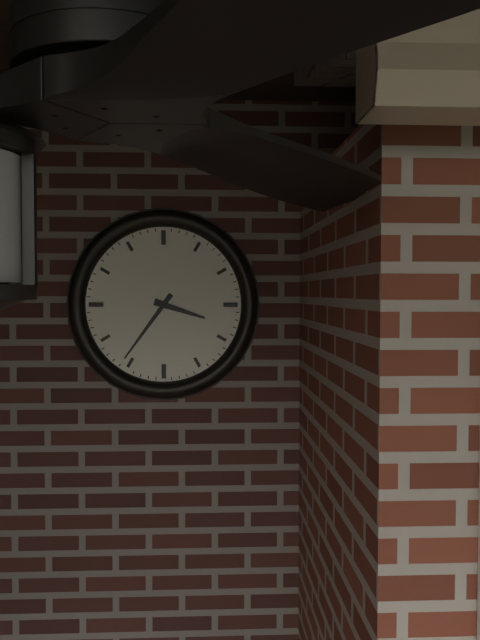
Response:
3.36
